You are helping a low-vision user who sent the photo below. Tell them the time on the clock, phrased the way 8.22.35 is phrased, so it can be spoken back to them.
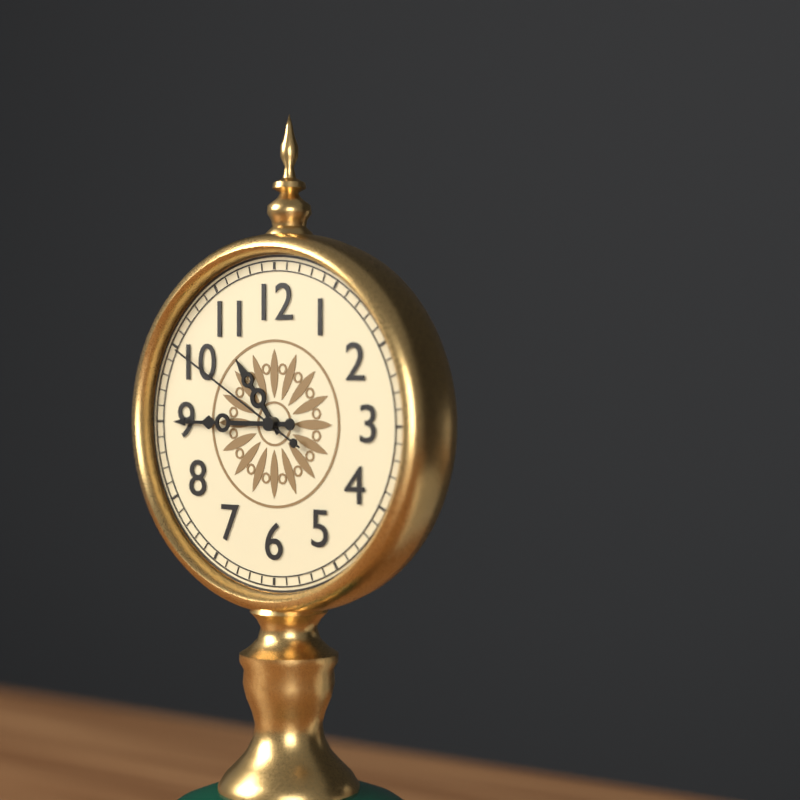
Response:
10.45.50
